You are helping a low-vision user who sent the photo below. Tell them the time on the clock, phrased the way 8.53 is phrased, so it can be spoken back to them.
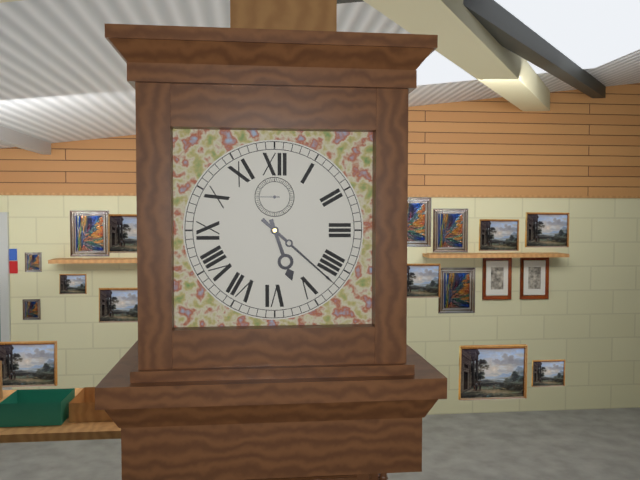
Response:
5.22
